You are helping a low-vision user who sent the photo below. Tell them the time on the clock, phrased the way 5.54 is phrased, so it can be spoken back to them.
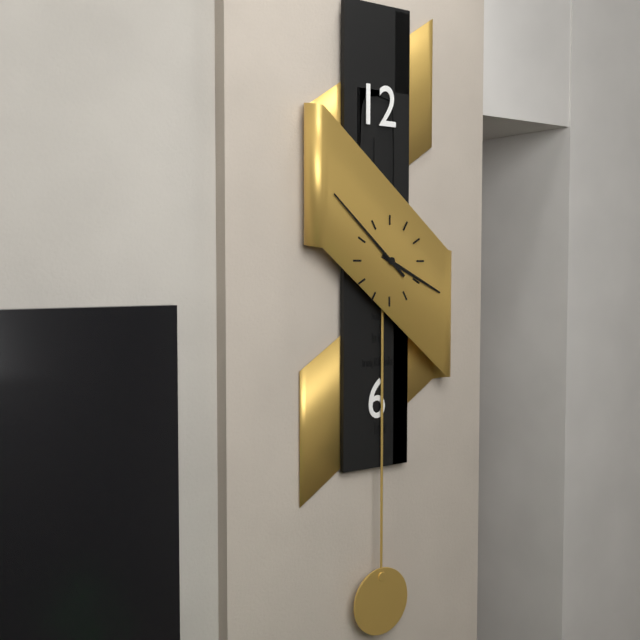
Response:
3.52
